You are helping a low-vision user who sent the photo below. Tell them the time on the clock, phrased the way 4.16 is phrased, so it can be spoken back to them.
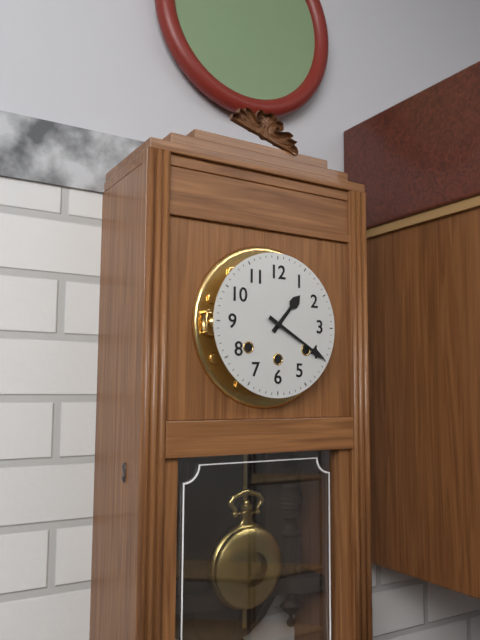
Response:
1.20
